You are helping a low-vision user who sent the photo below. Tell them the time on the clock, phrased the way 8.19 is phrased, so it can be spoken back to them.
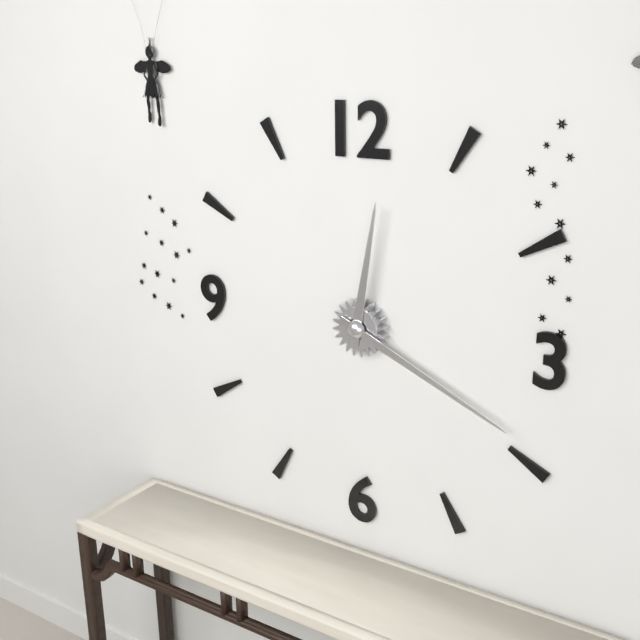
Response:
12.19
